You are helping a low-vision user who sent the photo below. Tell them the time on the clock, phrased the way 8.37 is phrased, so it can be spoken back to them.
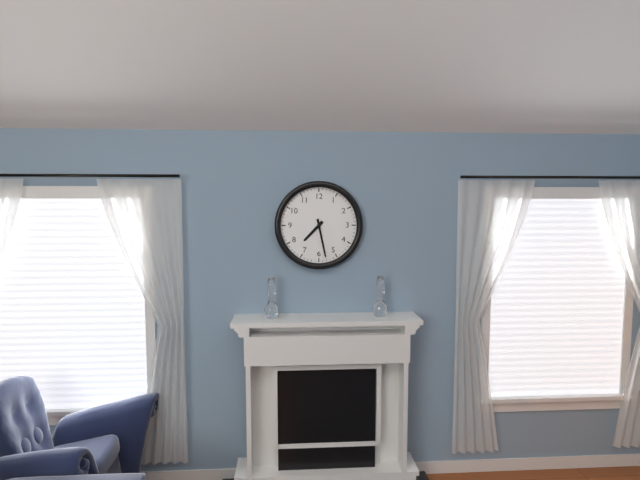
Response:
7.28
